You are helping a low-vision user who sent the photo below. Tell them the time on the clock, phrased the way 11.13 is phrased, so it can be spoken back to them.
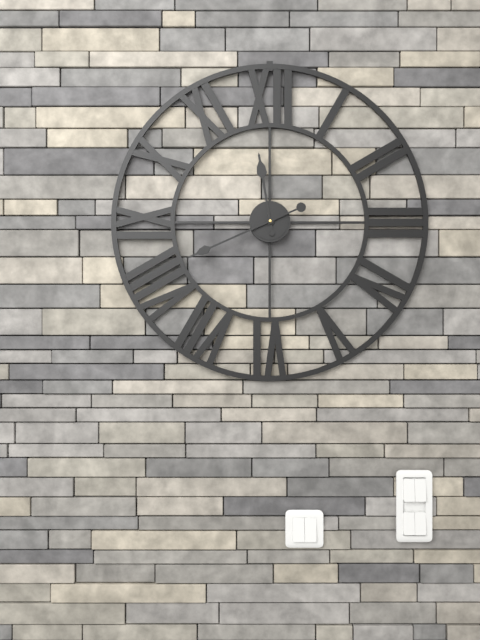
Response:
11.41
